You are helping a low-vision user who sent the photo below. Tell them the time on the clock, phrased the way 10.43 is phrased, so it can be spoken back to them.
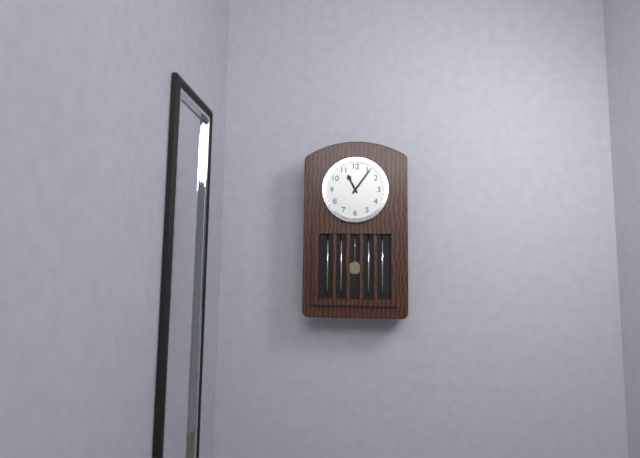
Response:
11.06
